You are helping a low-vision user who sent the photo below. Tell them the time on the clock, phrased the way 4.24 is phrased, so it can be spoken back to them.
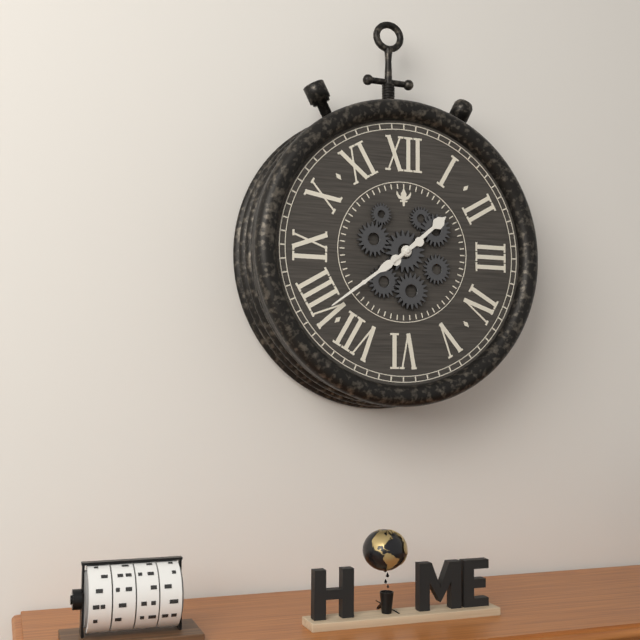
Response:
1.39
